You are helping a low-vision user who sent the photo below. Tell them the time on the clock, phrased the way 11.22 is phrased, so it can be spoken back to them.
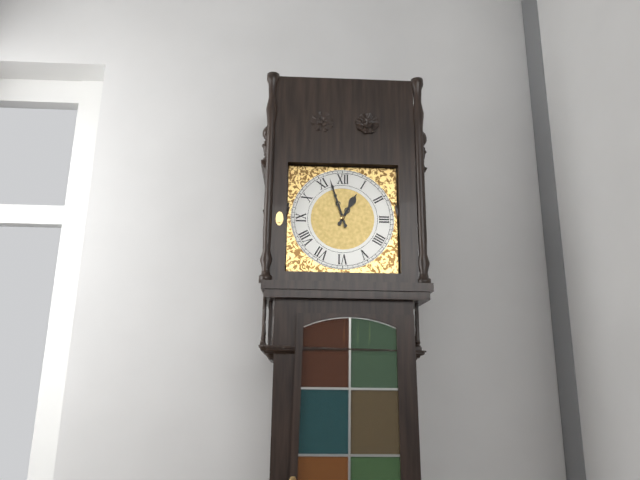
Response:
12.57
